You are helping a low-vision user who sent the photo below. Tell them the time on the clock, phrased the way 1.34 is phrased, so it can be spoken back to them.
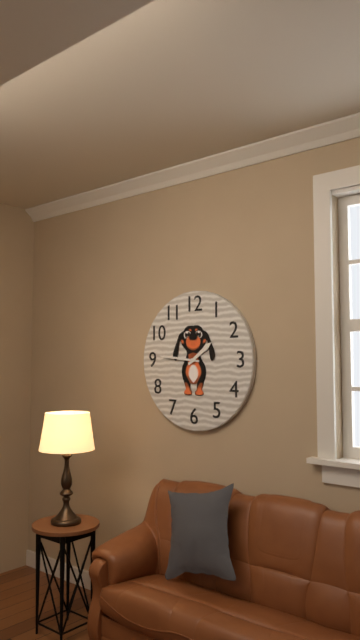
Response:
1.46
